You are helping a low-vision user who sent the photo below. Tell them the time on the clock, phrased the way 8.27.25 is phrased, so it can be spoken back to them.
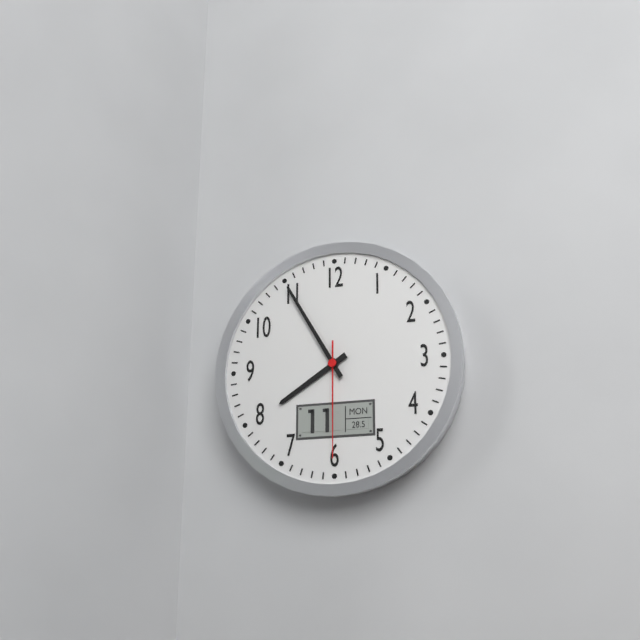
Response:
7.55.30
